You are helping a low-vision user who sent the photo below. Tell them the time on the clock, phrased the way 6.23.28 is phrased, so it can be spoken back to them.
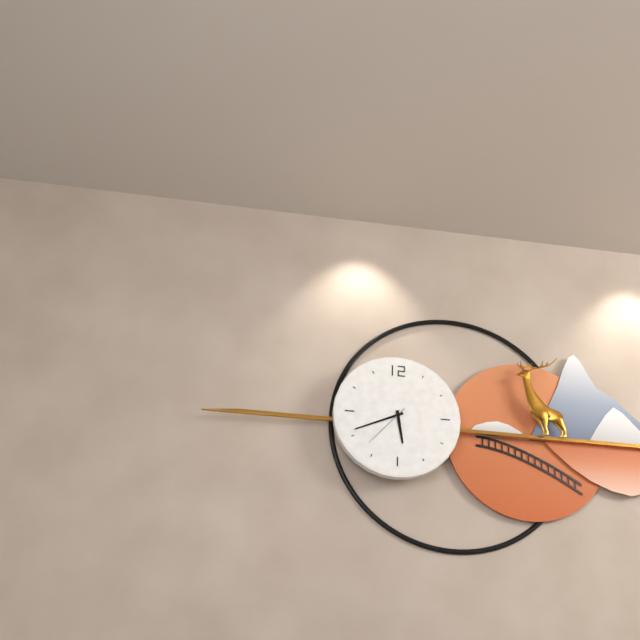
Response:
5.41.37
